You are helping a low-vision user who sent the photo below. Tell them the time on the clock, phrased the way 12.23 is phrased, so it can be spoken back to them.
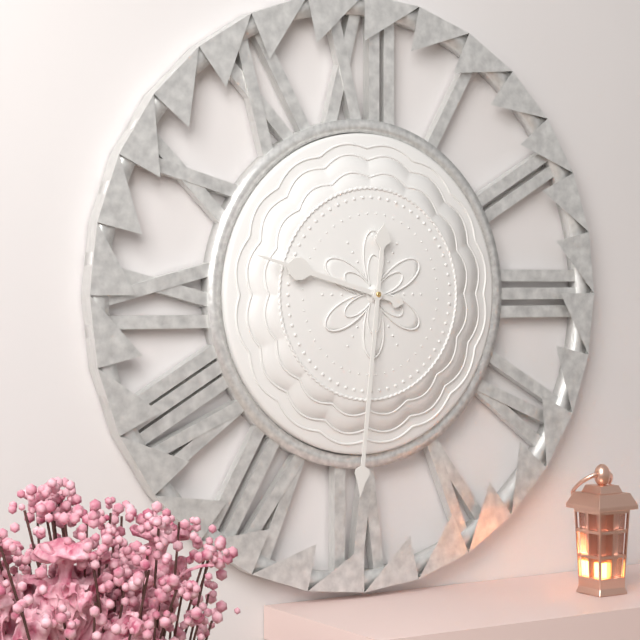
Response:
9.31
